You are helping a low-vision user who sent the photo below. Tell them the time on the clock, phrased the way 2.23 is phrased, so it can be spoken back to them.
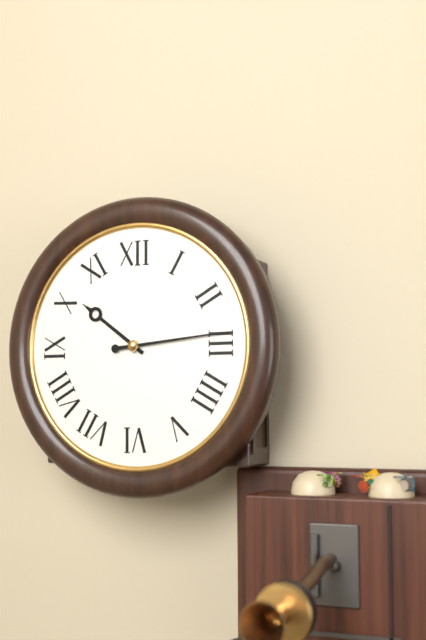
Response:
10.14
